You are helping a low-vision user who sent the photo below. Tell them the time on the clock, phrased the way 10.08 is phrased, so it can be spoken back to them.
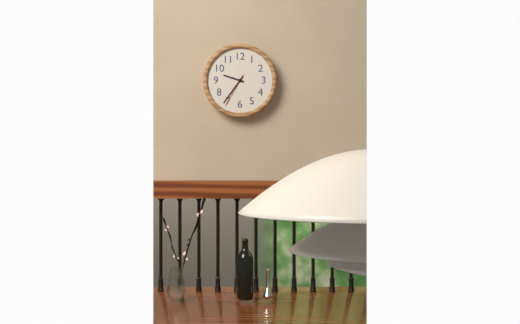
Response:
9.36
